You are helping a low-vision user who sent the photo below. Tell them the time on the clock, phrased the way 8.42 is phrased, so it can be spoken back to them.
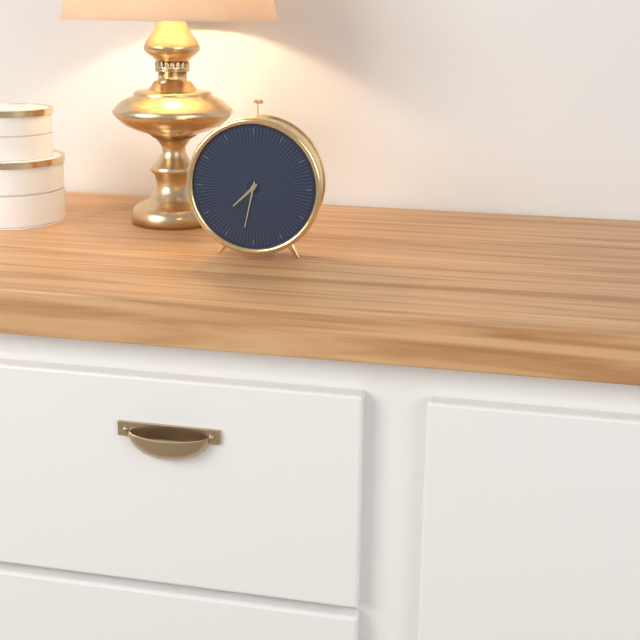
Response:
7.32
